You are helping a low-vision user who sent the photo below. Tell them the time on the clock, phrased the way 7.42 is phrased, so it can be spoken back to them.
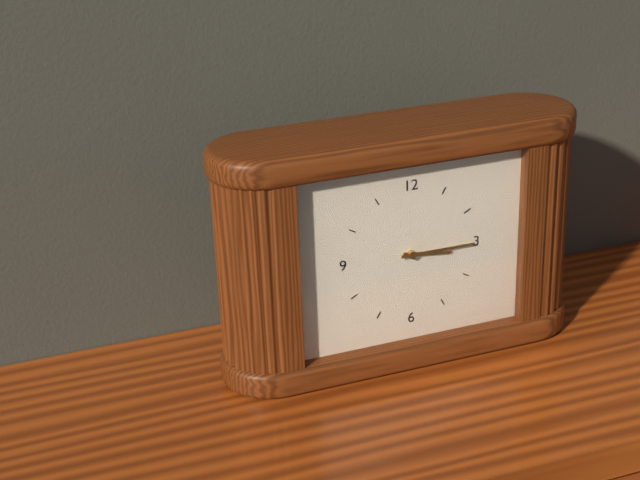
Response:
3.15
